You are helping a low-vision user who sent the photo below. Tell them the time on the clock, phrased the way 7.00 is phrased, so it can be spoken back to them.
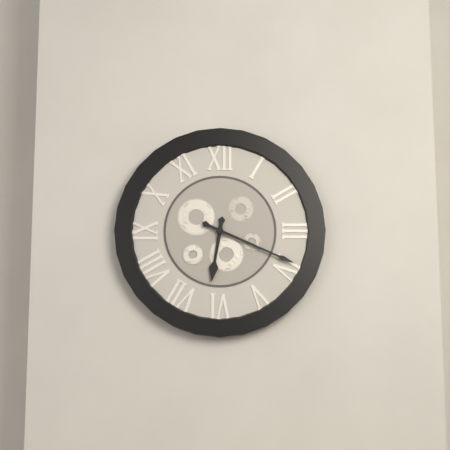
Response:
6.19
